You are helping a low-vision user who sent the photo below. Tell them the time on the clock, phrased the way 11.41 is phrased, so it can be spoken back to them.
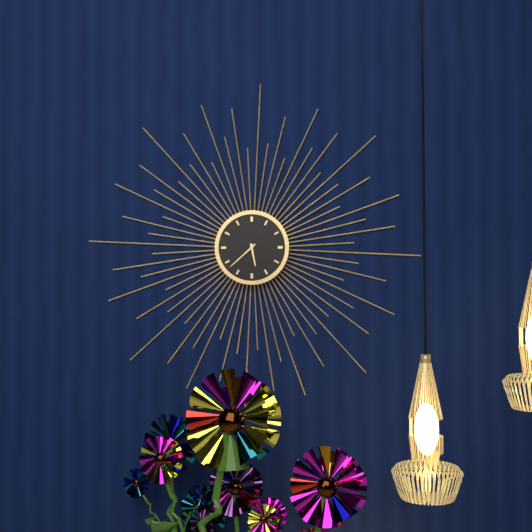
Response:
5.38
